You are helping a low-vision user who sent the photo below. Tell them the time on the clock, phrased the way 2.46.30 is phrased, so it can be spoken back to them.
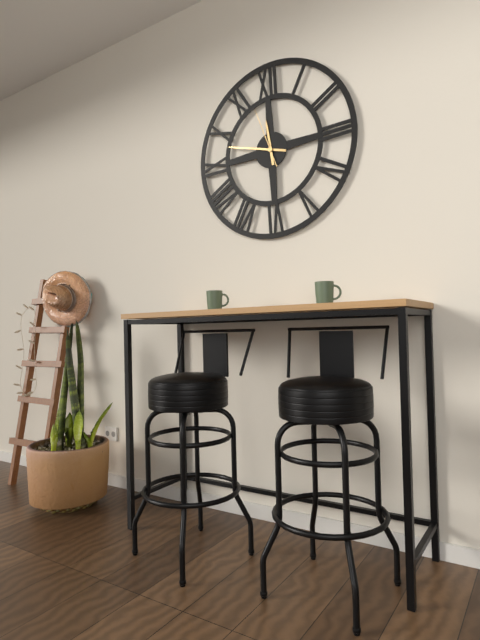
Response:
11.48.57
